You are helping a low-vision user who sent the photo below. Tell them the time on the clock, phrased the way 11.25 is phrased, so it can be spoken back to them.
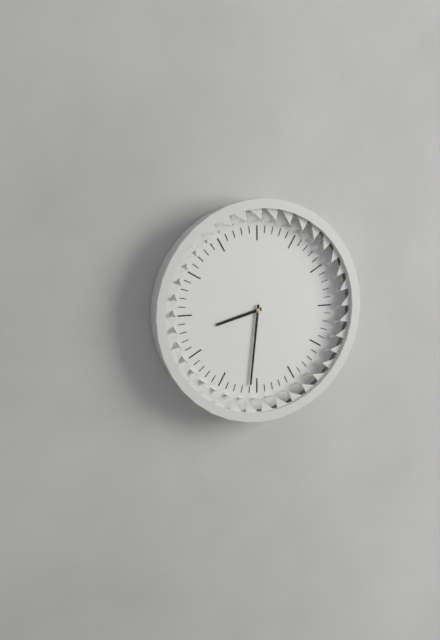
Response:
8.31
